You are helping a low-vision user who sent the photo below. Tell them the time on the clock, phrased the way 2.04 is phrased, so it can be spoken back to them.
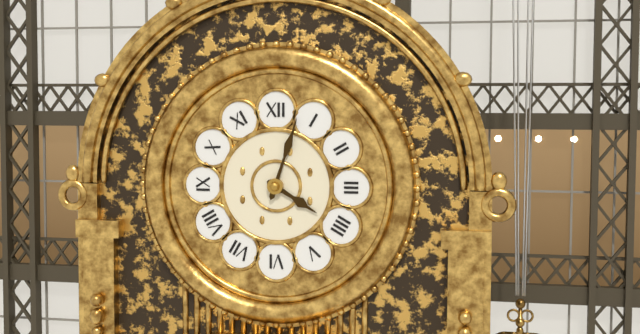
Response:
4.03
